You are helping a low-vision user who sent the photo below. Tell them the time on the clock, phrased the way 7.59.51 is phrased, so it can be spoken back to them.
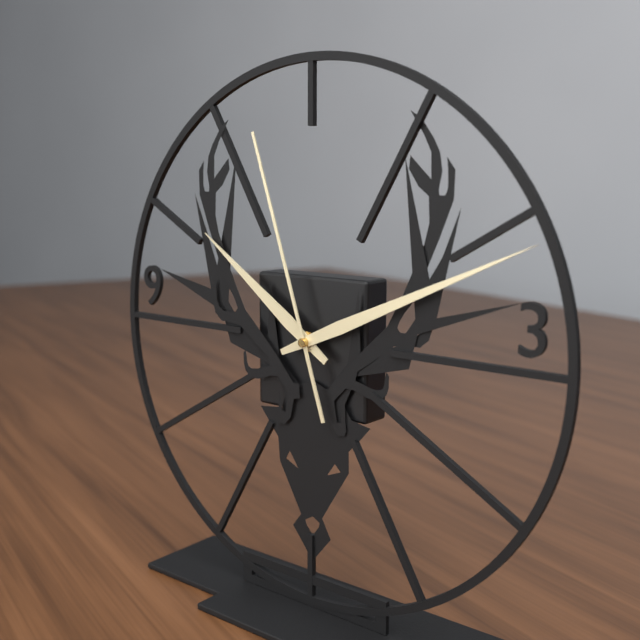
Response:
10.11.57
